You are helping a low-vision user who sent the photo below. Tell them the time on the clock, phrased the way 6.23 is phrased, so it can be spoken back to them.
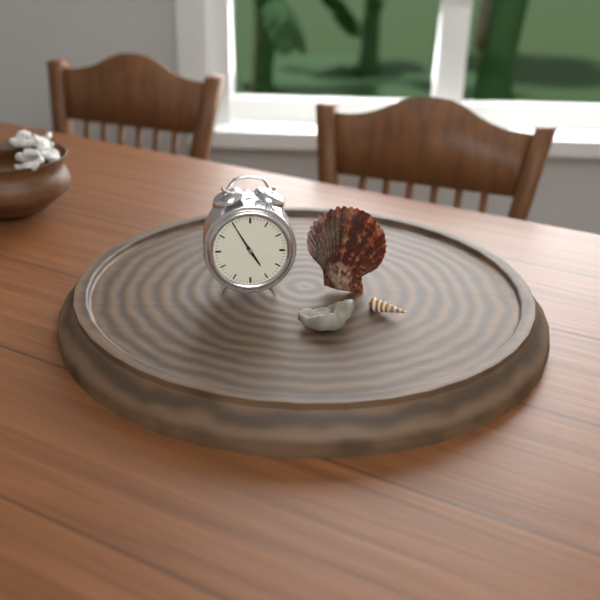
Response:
4.55
